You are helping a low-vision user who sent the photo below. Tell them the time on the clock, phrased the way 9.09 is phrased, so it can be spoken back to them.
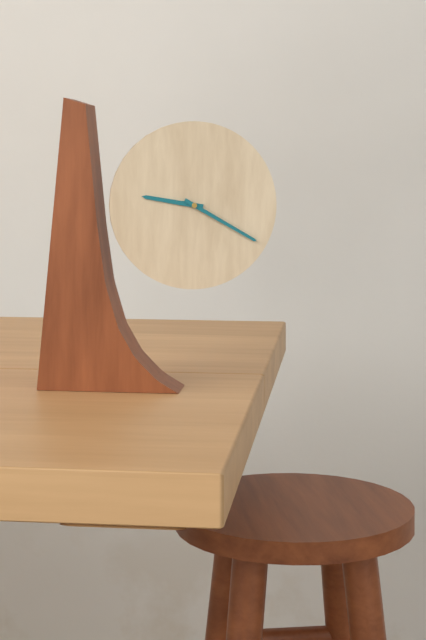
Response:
9.20
